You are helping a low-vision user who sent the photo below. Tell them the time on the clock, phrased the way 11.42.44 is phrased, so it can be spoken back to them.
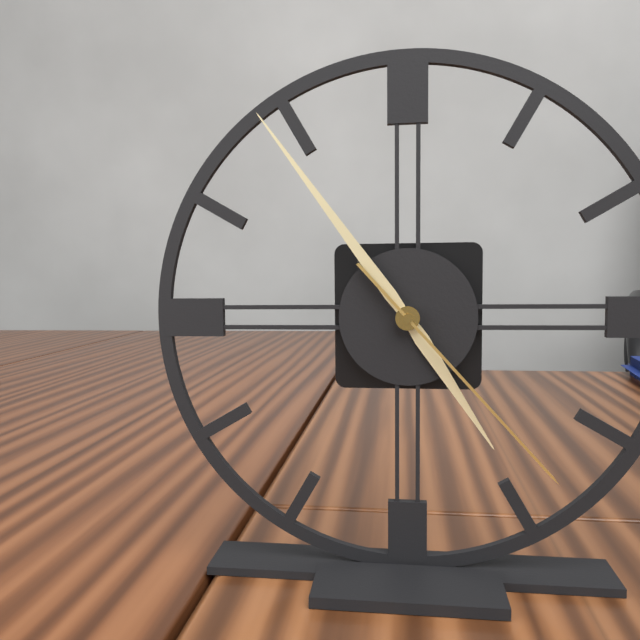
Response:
4.54.23
